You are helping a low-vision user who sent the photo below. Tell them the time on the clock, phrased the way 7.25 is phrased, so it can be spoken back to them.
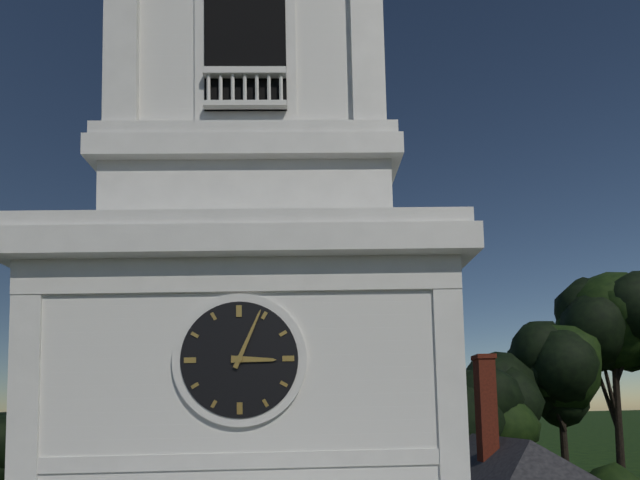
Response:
3.04
